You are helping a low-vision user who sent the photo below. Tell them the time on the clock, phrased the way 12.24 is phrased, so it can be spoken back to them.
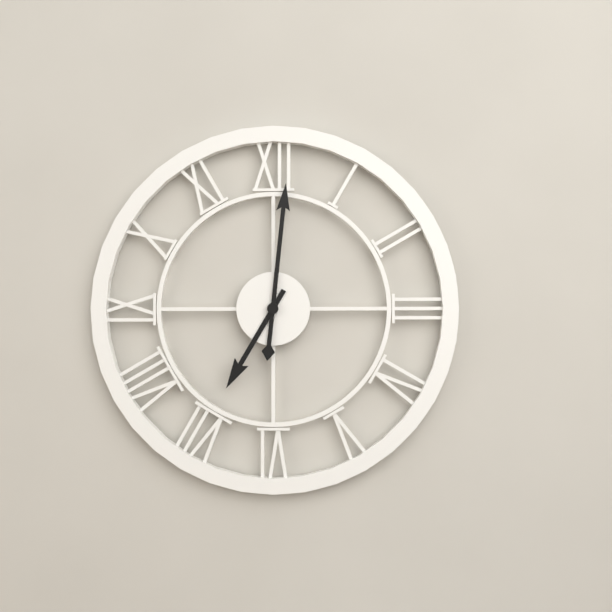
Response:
7.01
